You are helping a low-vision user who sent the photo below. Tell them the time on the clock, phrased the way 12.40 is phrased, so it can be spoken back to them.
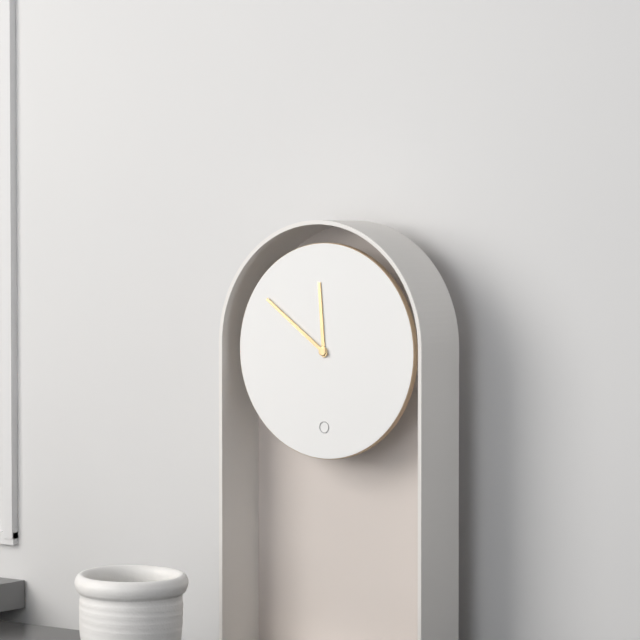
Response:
11.51
